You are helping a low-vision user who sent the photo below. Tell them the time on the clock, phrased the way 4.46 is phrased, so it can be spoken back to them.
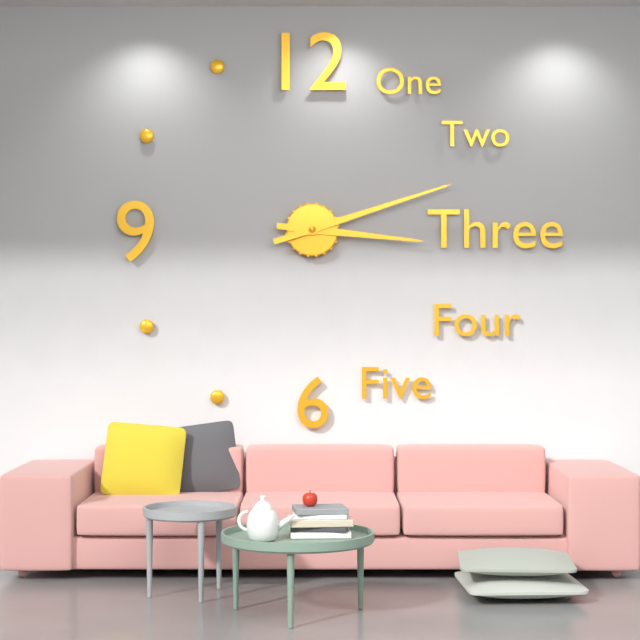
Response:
3.12
